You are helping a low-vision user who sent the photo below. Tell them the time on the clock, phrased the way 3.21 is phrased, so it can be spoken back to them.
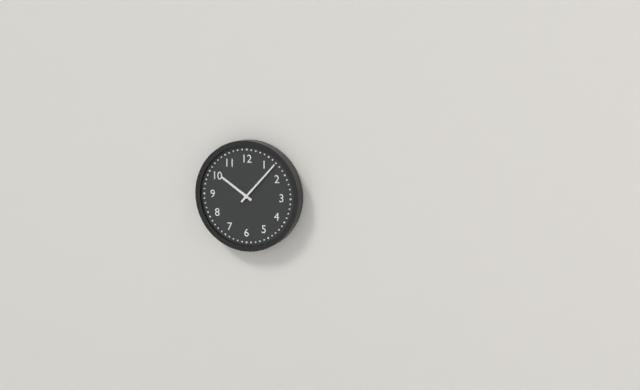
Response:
10.07
